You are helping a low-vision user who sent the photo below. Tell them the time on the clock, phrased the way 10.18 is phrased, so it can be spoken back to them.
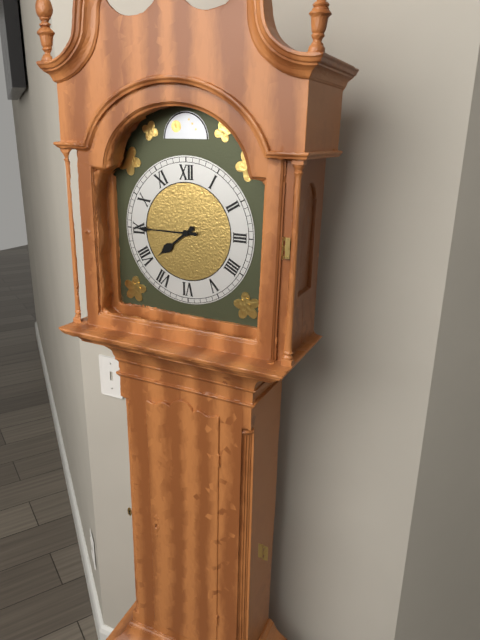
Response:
7.45
